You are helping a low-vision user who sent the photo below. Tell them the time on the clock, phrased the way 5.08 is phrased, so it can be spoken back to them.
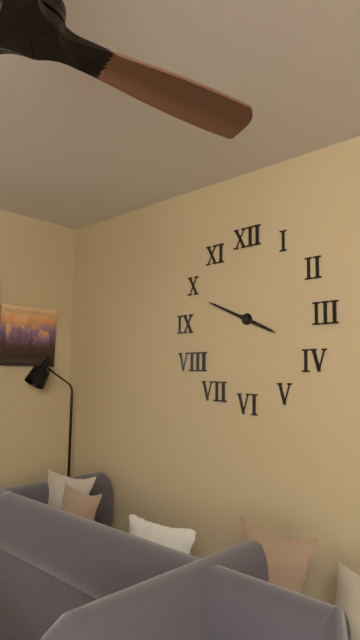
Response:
3.49
